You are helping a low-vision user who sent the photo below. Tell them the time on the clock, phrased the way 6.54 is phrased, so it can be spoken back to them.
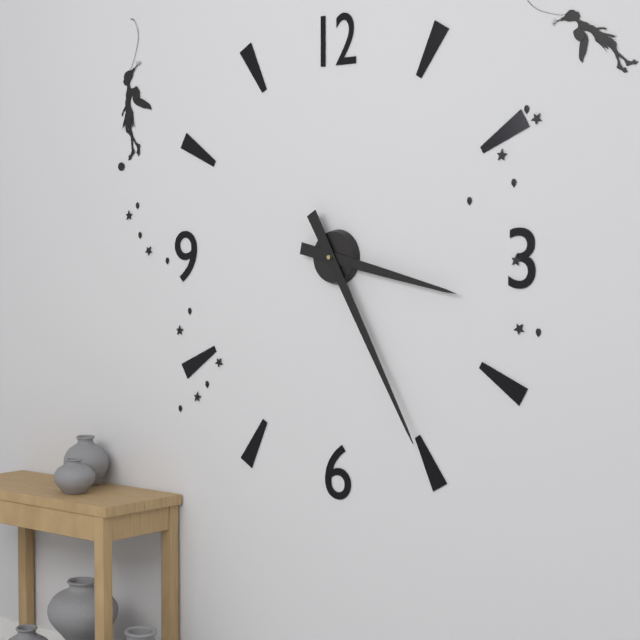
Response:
3.25
